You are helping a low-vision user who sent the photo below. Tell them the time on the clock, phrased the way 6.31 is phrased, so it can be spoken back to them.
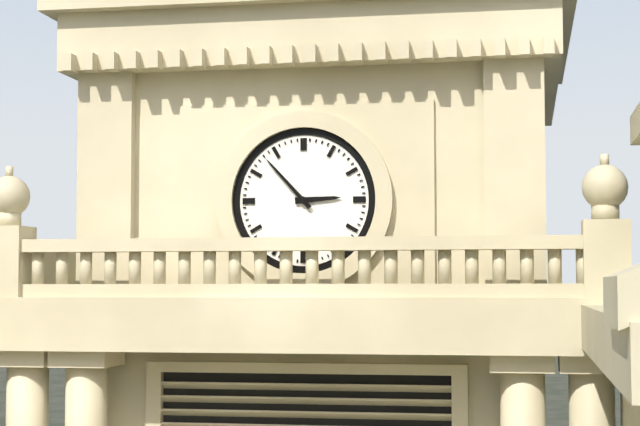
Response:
2.53
